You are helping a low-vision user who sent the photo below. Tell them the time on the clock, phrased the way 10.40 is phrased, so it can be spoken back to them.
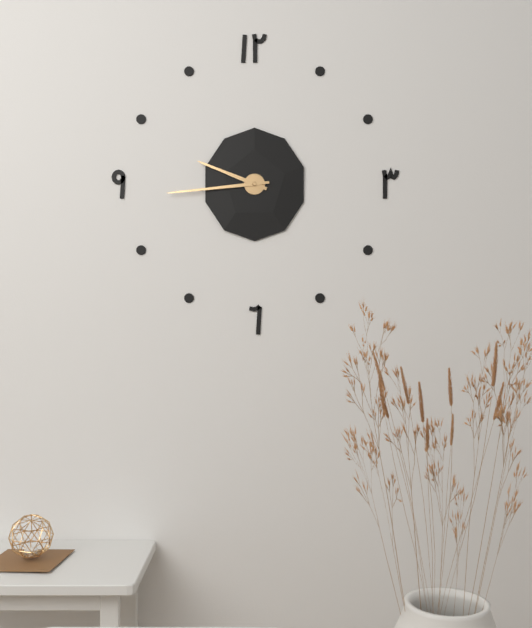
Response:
9.44
